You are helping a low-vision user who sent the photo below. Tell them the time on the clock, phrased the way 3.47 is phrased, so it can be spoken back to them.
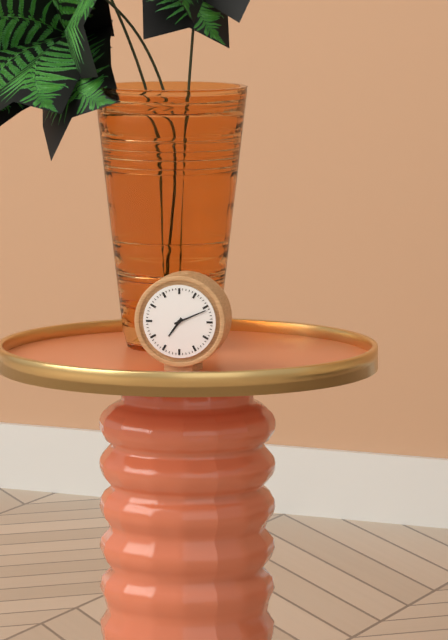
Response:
7.11
